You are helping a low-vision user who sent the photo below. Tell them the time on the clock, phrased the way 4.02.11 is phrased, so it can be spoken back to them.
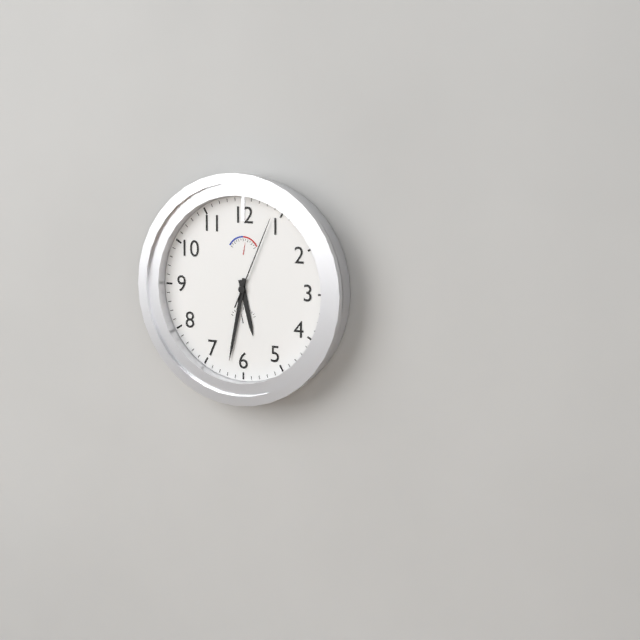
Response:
5.32.04
